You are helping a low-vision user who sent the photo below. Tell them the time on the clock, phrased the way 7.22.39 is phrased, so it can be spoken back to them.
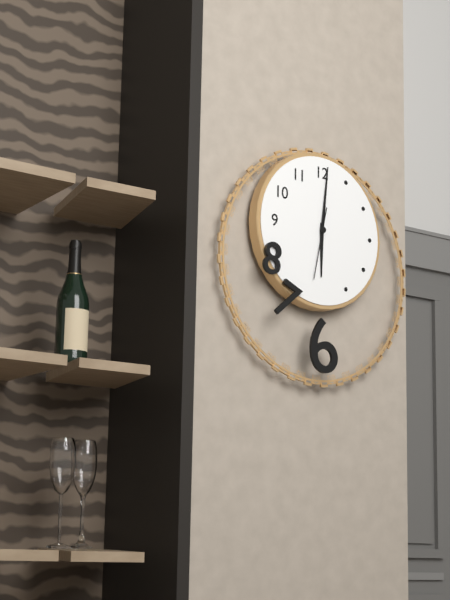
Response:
6.01.32
